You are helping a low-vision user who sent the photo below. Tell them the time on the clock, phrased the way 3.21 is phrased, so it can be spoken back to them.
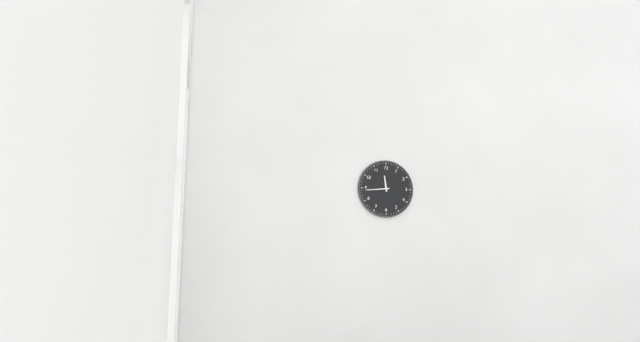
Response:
11.44
